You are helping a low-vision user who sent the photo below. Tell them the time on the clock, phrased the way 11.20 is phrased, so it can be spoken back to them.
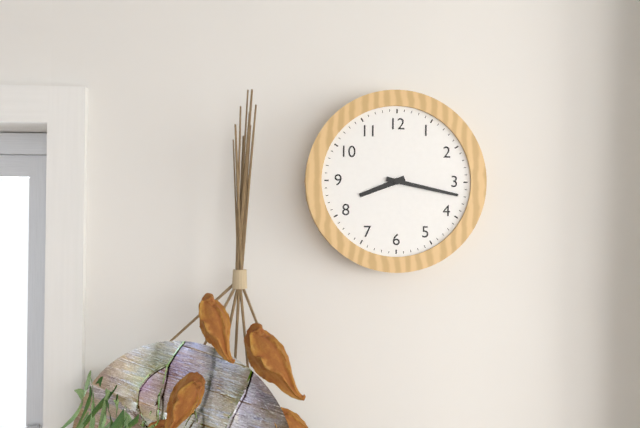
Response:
8.17
